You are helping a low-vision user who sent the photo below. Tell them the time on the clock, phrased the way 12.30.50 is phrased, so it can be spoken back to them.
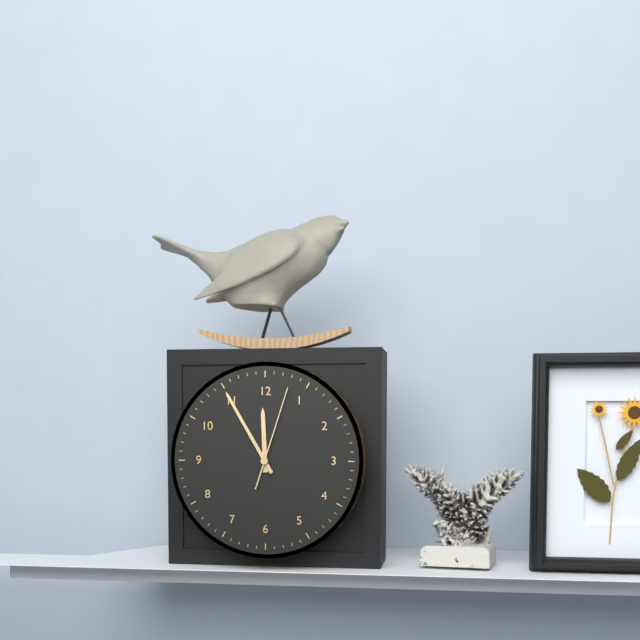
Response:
11.55.03
